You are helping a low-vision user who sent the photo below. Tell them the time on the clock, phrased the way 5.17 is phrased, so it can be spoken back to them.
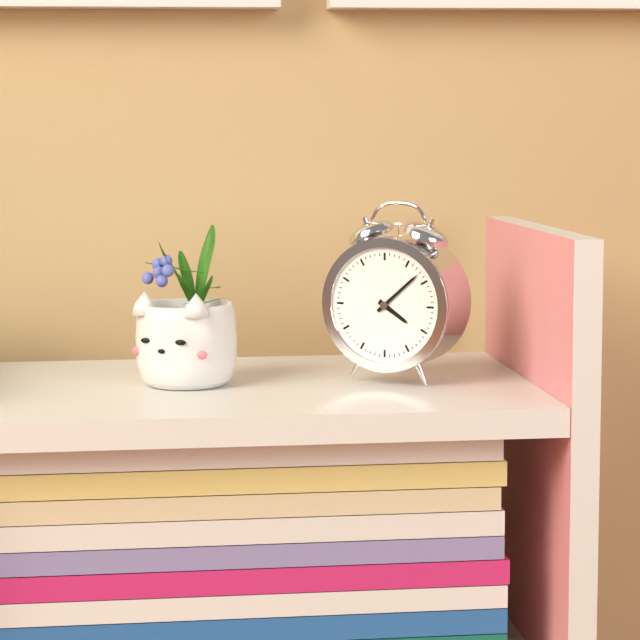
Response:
4.08
